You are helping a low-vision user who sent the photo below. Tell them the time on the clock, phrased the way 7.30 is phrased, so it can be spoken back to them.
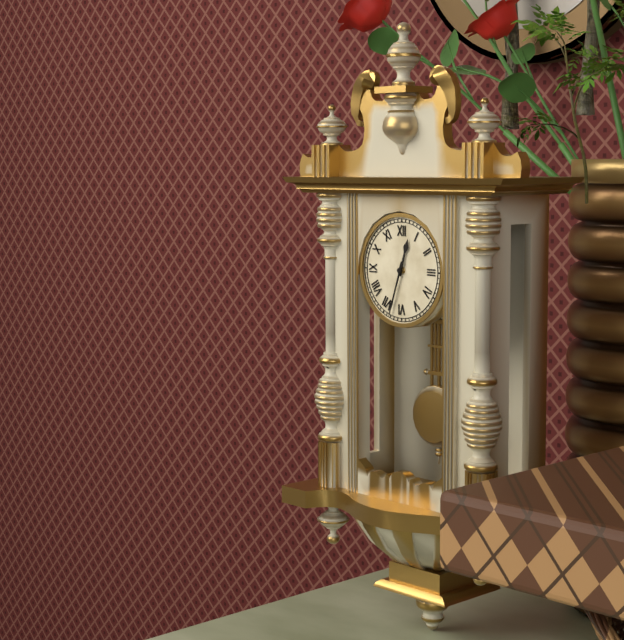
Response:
12.33
